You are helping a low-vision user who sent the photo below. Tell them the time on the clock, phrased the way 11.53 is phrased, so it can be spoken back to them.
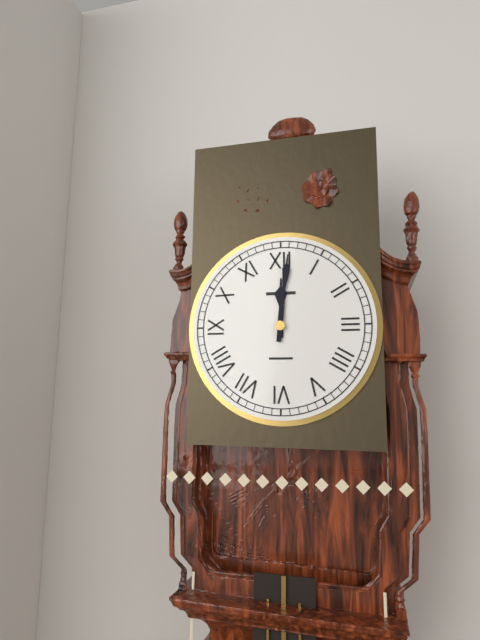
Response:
12.01
